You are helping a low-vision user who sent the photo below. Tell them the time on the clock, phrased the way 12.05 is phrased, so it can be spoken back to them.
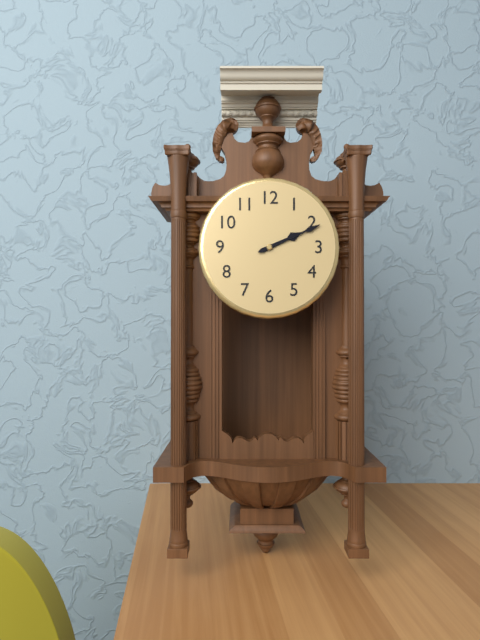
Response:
2.11
